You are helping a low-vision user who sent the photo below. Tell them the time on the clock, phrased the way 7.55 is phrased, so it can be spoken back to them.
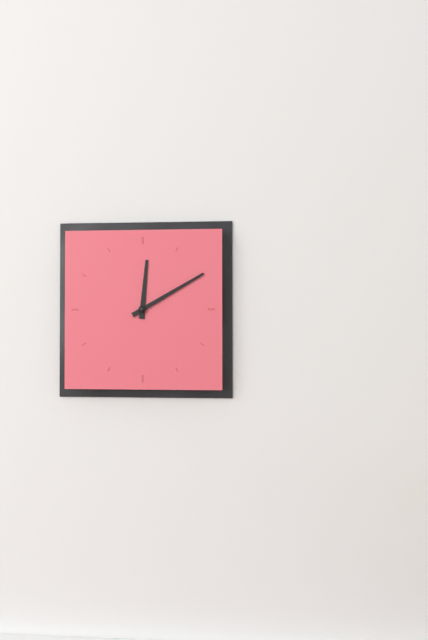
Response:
12.10
